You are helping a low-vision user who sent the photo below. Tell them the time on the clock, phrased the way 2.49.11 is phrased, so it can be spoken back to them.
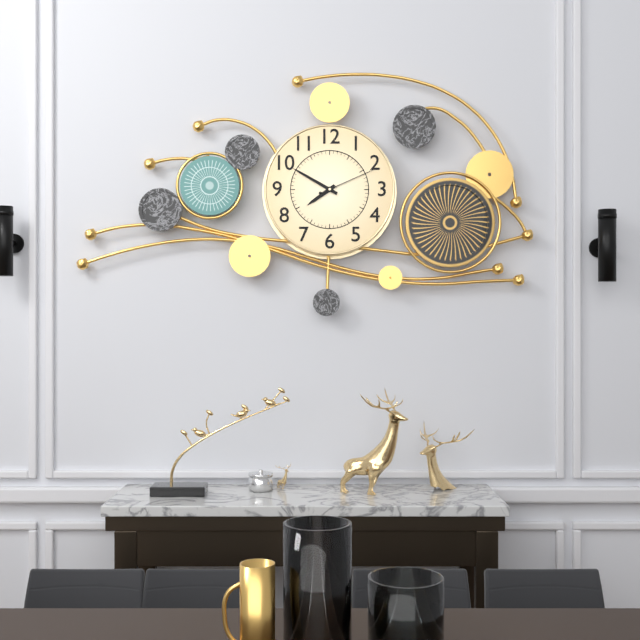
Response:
7.50.11
